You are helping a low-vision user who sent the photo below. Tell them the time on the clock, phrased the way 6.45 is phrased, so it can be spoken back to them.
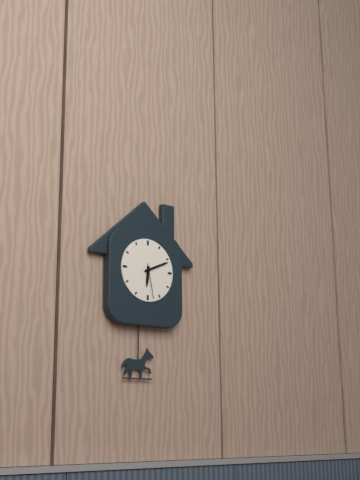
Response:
6.11
